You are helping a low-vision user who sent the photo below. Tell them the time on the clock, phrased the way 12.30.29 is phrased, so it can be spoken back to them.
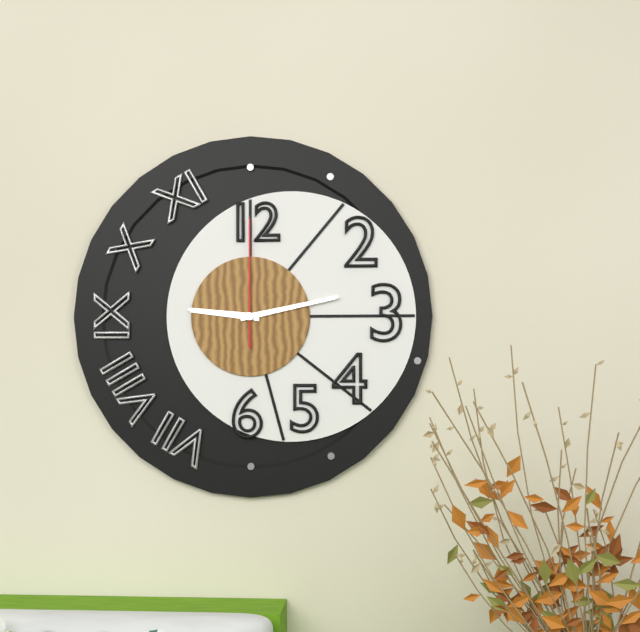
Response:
9.13.00
